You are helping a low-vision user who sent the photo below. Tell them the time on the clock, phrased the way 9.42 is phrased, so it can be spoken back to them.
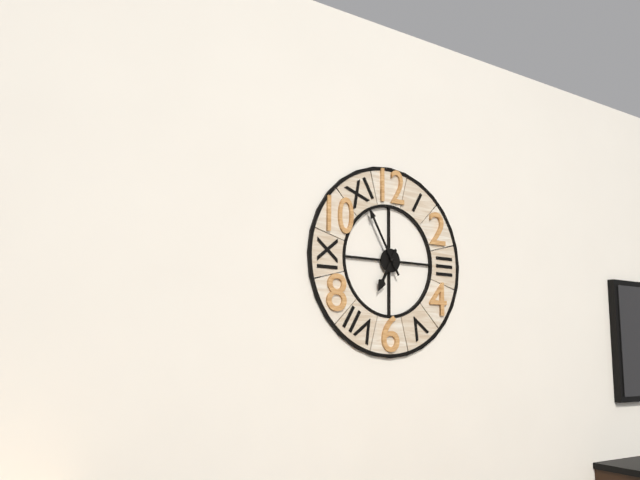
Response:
6.55
